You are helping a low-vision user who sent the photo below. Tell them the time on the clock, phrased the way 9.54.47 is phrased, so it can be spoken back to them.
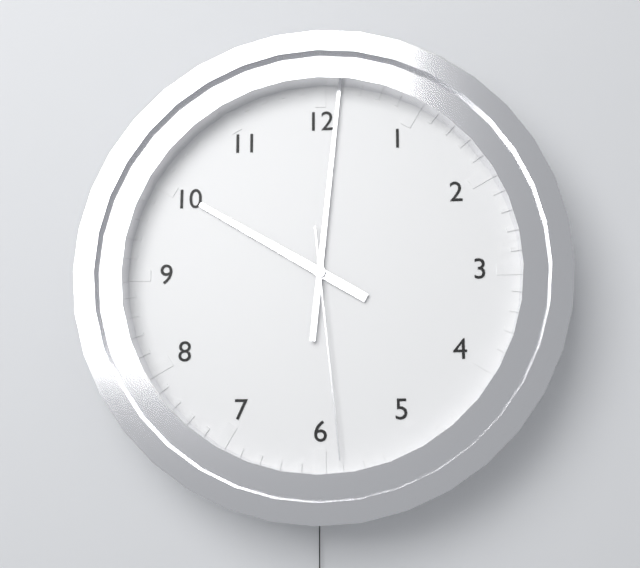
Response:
10.01.29
